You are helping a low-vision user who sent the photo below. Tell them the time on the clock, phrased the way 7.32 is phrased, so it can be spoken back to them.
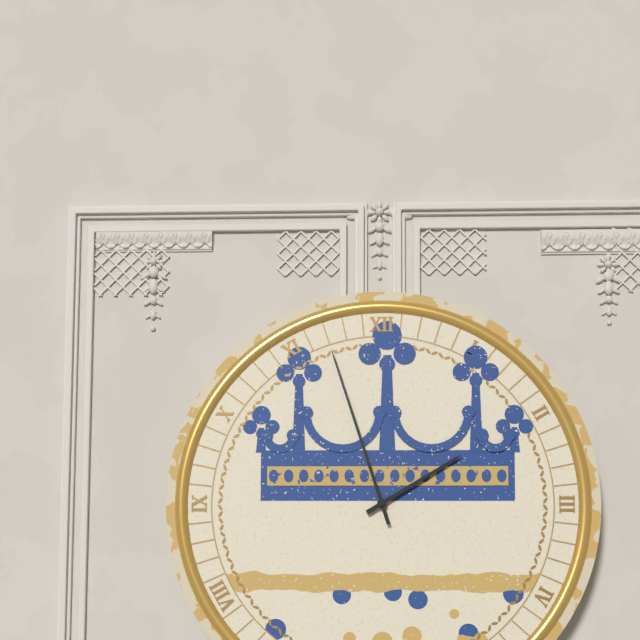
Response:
1.57
